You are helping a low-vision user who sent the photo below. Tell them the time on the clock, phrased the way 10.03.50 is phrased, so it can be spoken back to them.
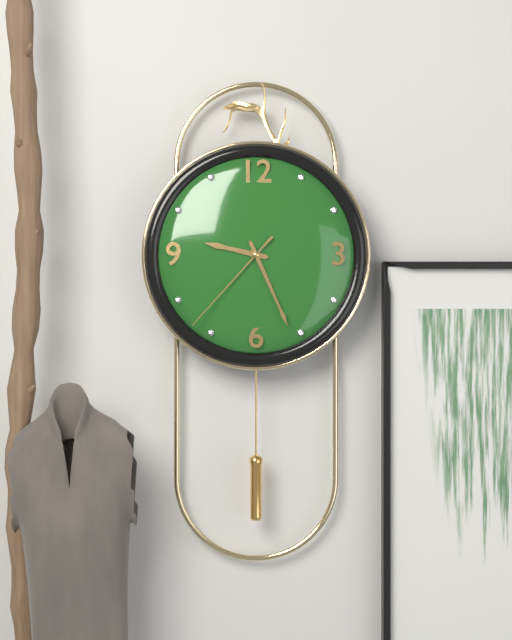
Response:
9.26.37
